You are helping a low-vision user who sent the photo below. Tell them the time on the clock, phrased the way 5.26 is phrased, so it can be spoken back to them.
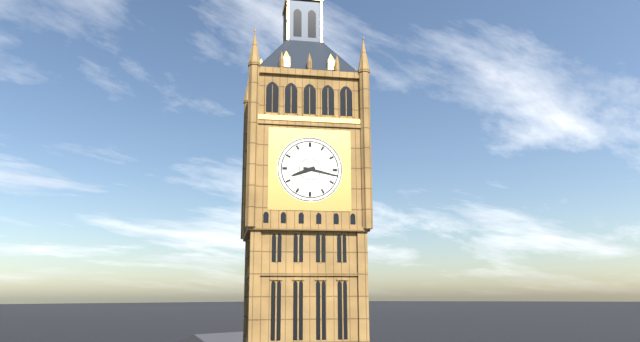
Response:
8.17
